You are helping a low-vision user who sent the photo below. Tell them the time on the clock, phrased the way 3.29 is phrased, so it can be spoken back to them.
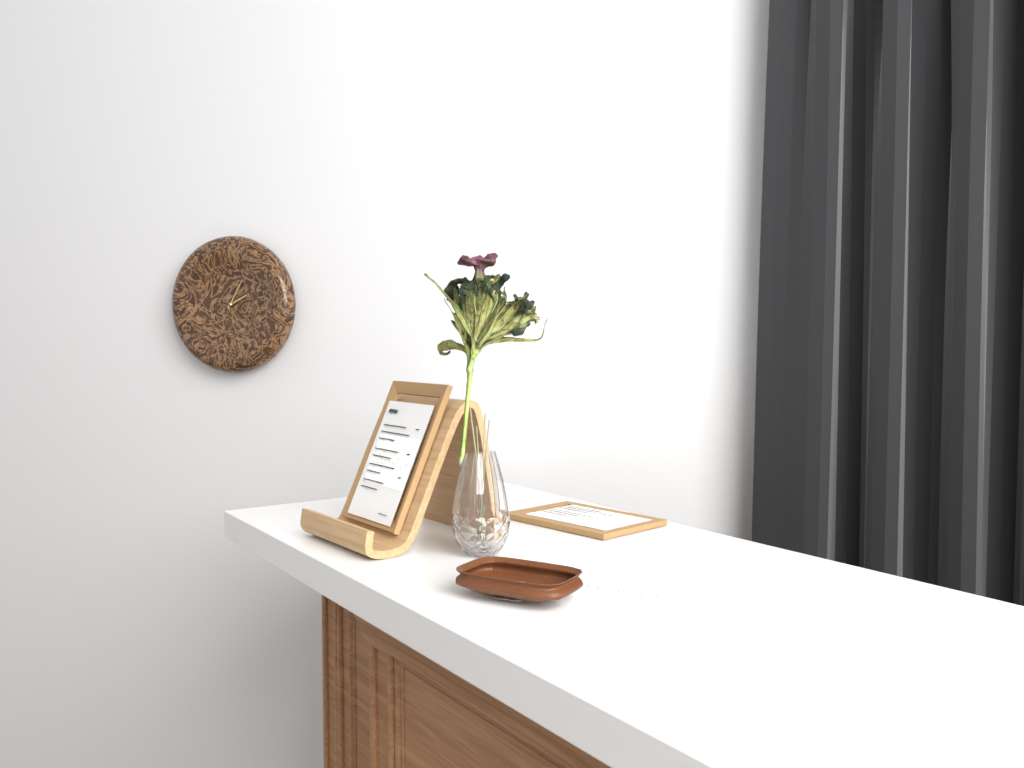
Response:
2.05
